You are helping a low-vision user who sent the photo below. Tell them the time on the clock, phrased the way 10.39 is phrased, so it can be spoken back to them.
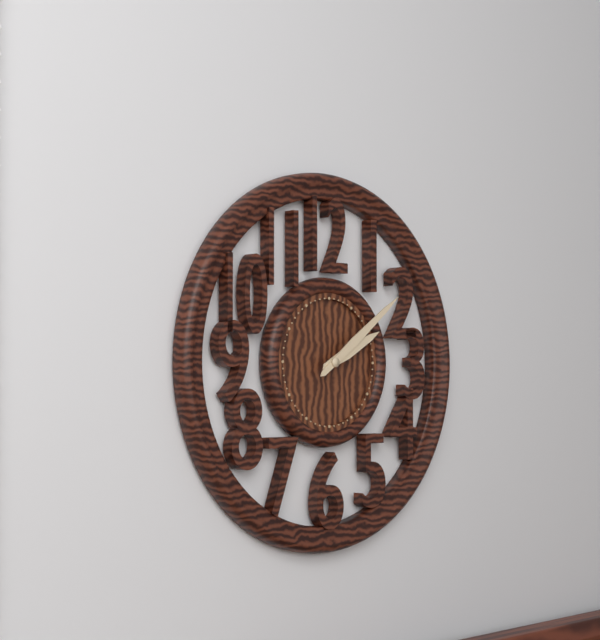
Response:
2.09
